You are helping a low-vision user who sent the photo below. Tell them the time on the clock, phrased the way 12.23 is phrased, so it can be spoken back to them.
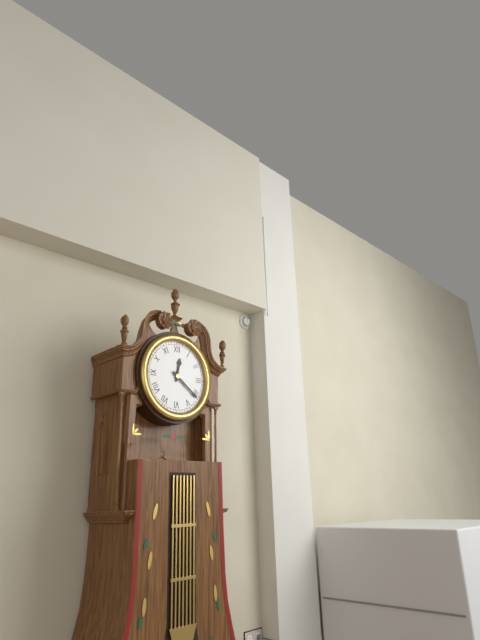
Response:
12.21
